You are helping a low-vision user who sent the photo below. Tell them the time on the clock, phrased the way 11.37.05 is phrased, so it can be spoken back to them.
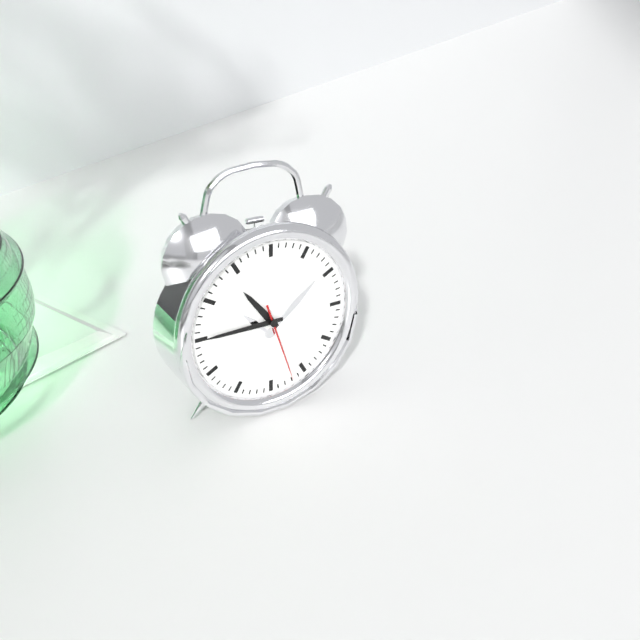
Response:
10.45.27
